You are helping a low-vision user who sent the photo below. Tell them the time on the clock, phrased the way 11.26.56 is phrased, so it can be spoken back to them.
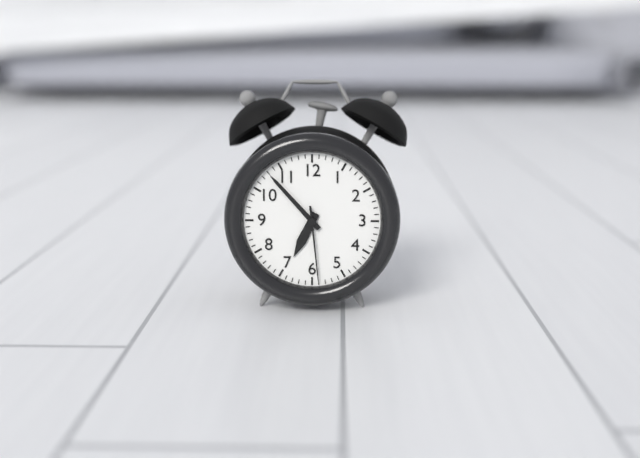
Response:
6.53.29
